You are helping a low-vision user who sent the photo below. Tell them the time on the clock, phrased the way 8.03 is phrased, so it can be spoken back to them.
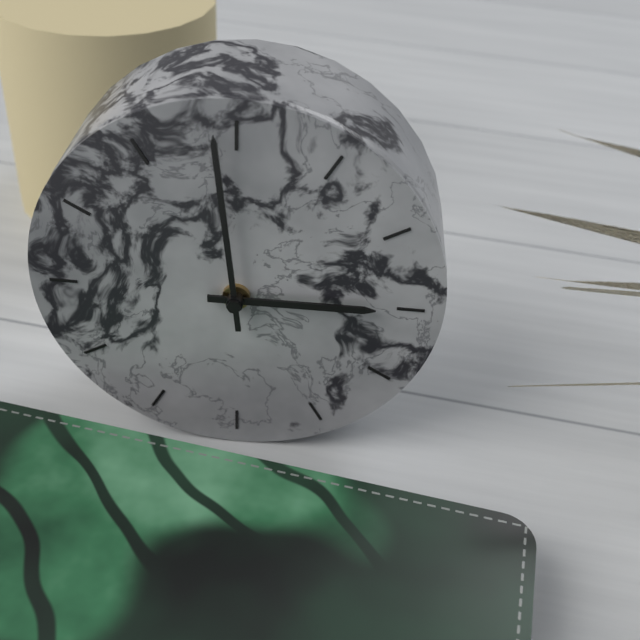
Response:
2.59
